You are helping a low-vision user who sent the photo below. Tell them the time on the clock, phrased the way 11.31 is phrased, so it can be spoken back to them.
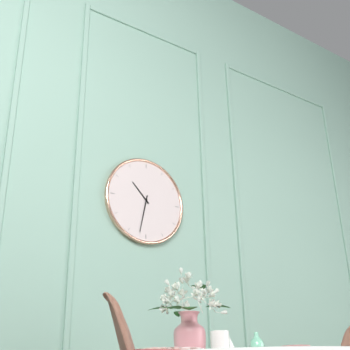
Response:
10.32
